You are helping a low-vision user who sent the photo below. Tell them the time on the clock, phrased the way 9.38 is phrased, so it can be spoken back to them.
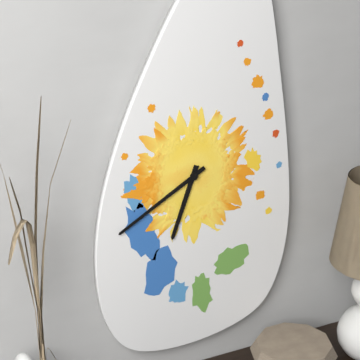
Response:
6.40
